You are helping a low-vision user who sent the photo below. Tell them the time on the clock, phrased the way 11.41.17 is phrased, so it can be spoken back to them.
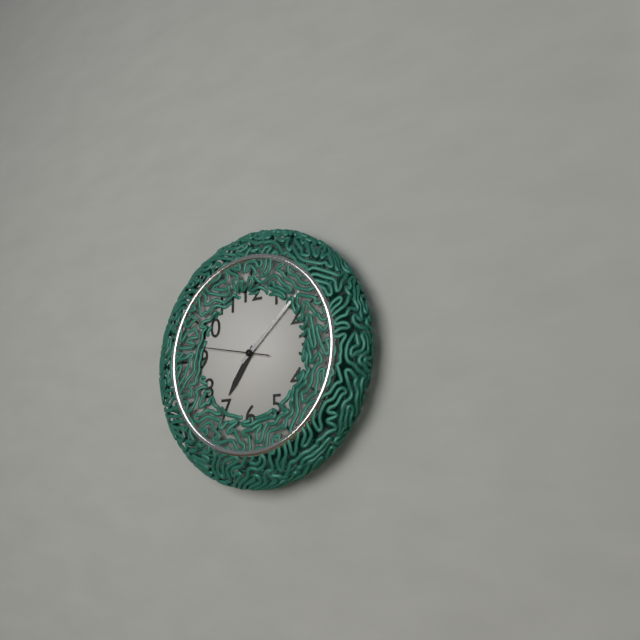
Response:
7.08.47
